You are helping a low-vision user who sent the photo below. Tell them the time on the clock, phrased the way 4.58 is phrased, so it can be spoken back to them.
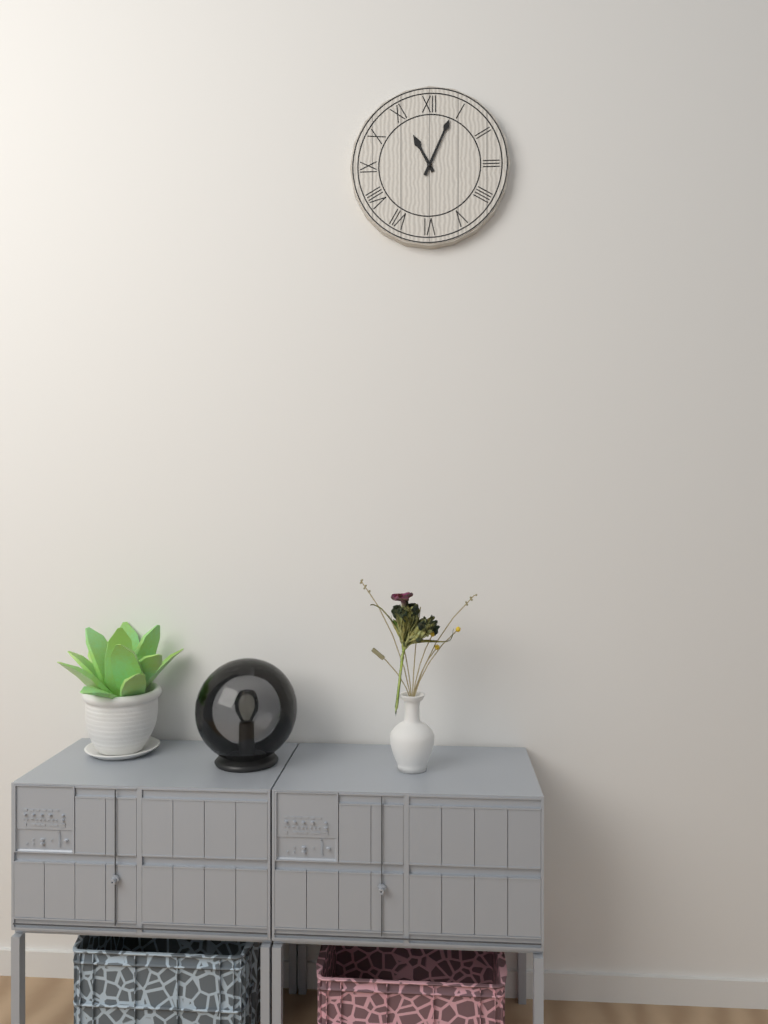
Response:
11.04
